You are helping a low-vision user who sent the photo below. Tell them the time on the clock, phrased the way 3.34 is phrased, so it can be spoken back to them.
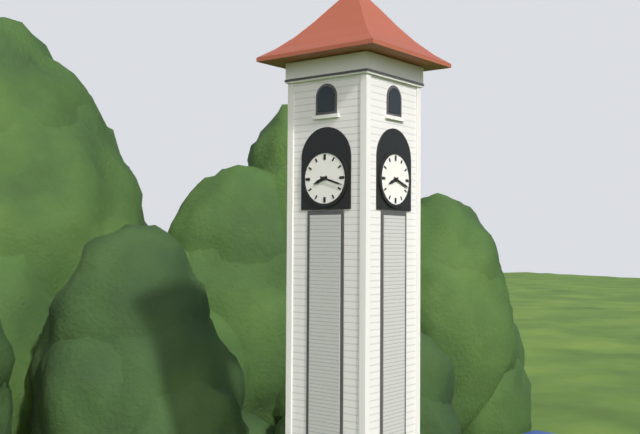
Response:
8.18
